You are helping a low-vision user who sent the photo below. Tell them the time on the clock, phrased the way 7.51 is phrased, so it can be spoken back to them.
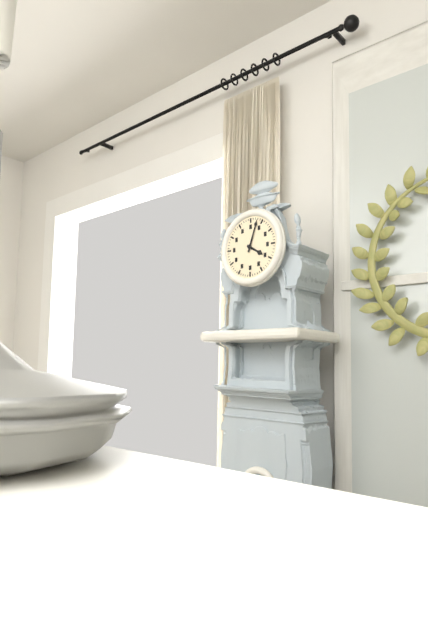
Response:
4.03
